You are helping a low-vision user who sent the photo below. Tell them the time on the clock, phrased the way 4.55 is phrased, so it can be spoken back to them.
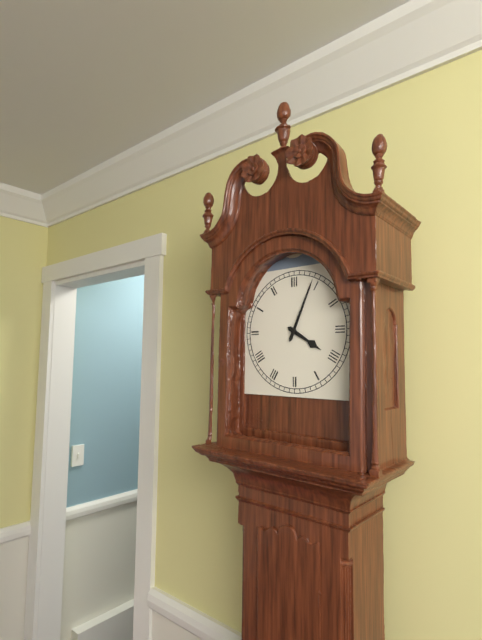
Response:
4.04
